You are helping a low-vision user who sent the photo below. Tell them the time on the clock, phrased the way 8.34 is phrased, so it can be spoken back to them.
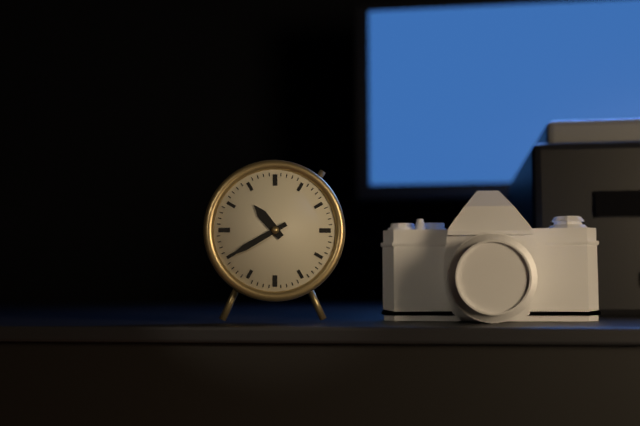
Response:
10.40
